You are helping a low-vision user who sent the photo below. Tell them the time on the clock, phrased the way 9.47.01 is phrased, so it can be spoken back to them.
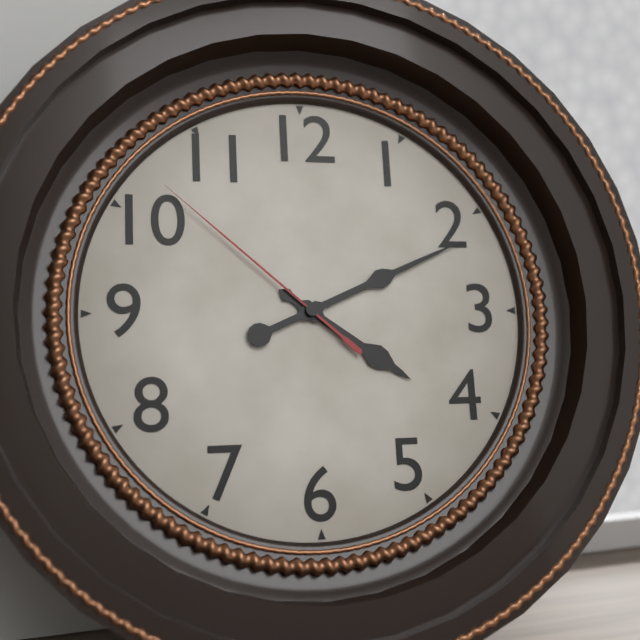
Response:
4.11.52
